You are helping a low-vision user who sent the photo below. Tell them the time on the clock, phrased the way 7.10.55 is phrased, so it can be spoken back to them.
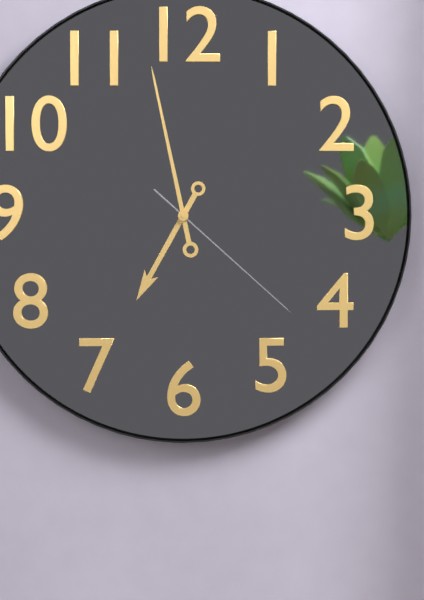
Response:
6.58.22
